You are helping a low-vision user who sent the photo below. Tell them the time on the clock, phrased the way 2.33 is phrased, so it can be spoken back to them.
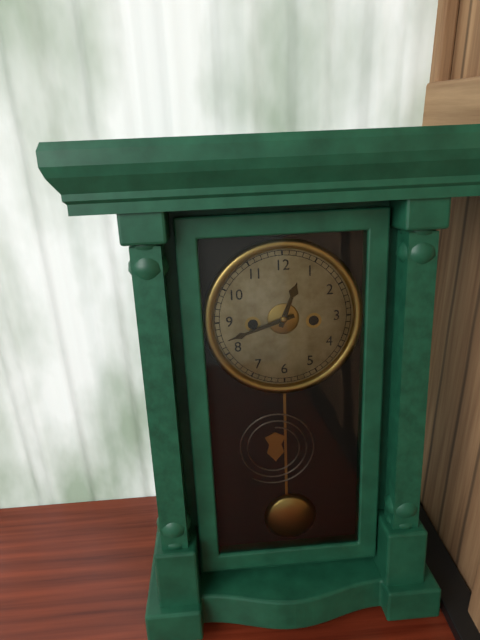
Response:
12.42
